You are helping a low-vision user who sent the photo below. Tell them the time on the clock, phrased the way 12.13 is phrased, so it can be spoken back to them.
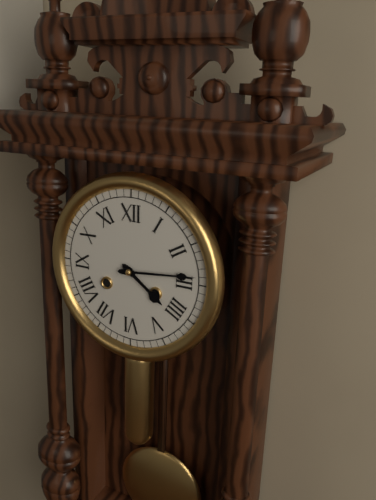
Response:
4.14
